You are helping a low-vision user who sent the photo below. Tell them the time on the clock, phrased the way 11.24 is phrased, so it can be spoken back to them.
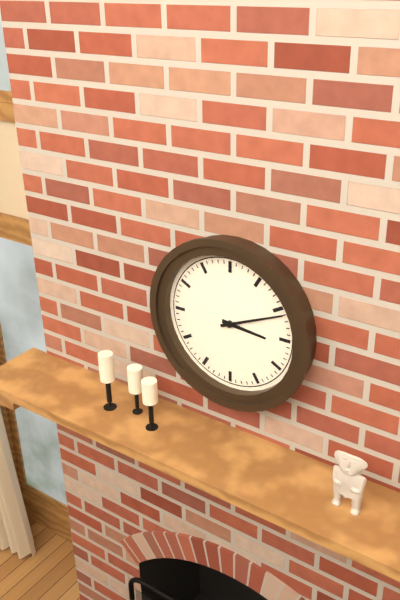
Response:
3.11
